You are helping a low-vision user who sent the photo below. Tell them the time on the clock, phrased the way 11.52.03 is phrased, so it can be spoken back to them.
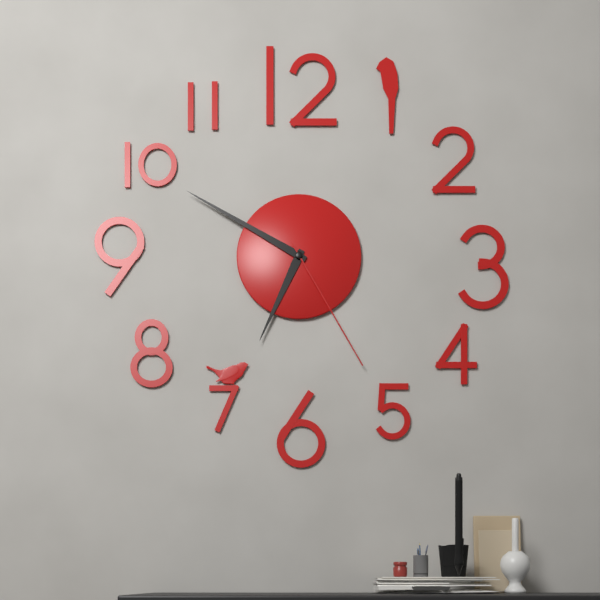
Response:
6.50.25
